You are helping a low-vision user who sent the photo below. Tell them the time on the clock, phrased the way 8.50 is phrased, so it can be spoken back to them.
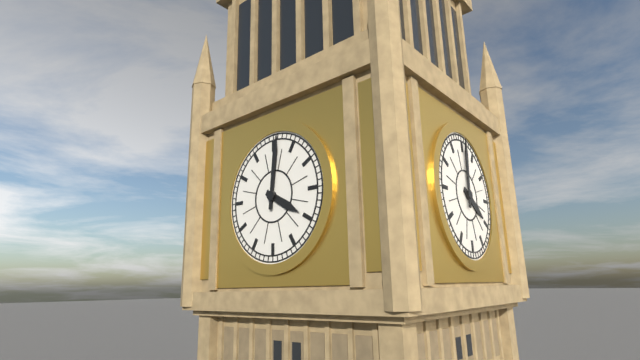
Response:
4.01
